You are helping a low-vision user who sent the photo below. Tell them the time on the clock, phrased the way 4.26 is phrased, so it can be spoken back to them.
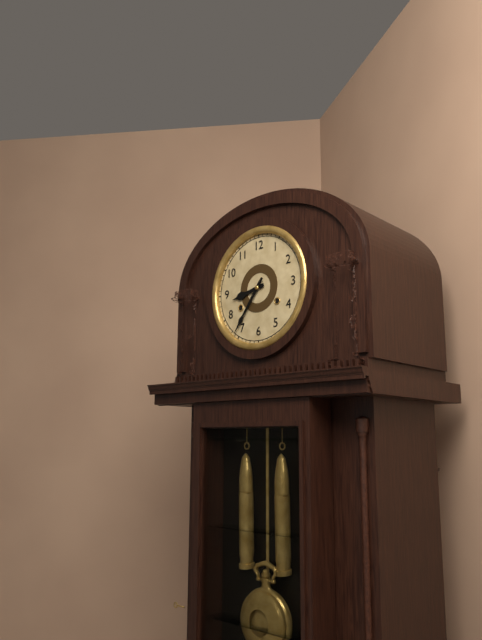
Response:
8.36
